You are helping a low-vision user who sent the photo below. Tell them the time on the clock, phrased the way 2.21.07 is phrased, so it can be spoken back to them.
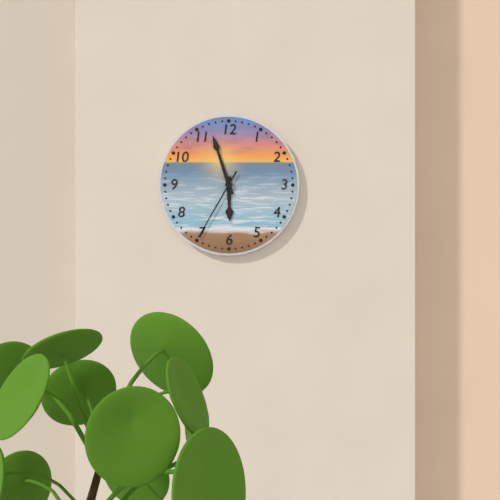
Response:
5.57.35
